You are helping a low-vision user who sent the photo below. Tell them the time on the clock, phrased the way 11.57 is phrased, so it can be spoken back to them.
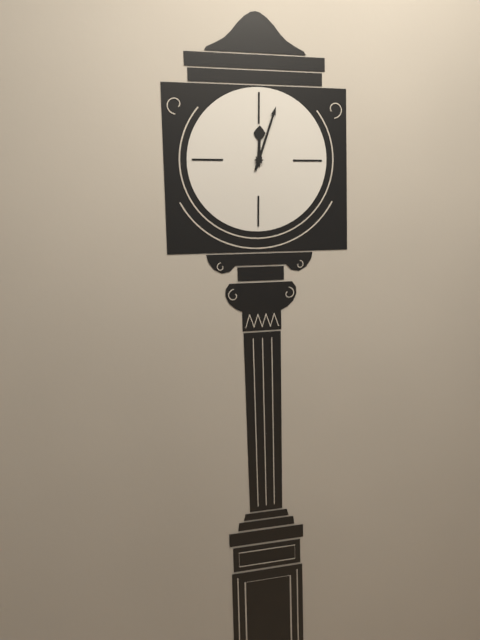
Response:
12.03
